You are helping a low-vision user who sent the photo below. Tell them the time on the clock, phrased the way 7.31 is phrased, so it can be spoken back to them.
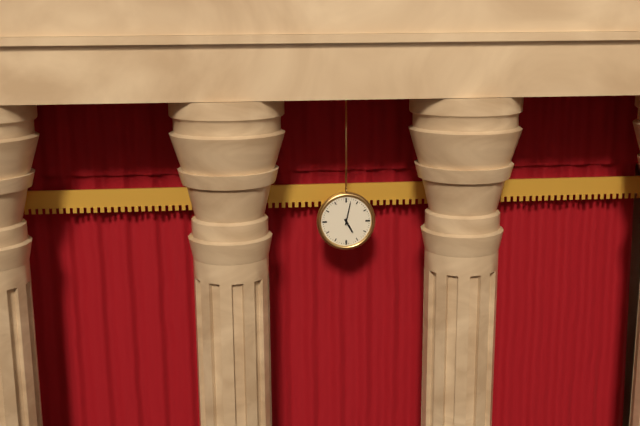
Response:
5.02
